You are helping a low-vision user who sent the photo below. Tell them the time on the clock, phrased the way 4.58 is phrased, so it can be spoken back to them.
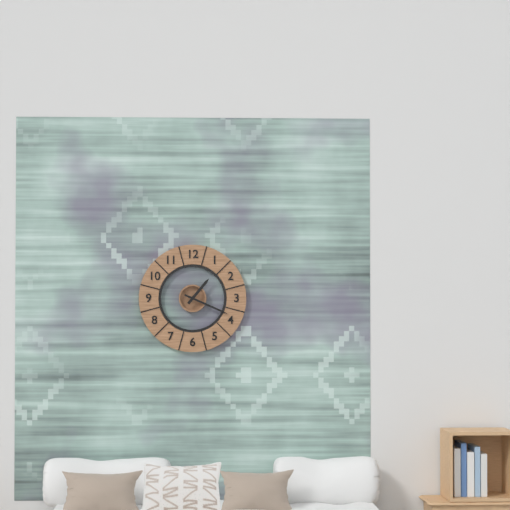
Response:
1.19
